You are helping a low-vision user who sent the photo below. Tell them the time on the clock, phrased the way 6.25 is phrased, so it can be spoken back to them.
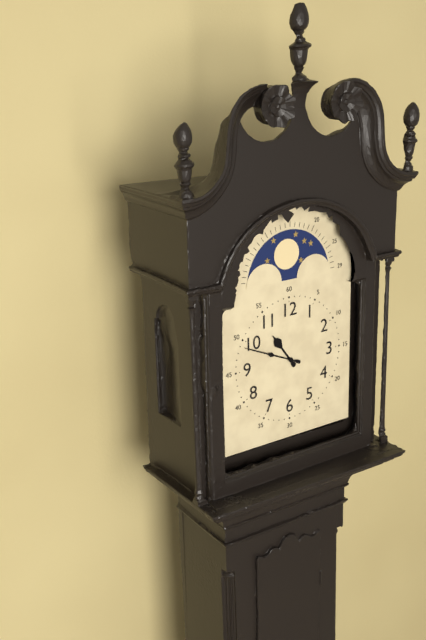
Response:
10.49
